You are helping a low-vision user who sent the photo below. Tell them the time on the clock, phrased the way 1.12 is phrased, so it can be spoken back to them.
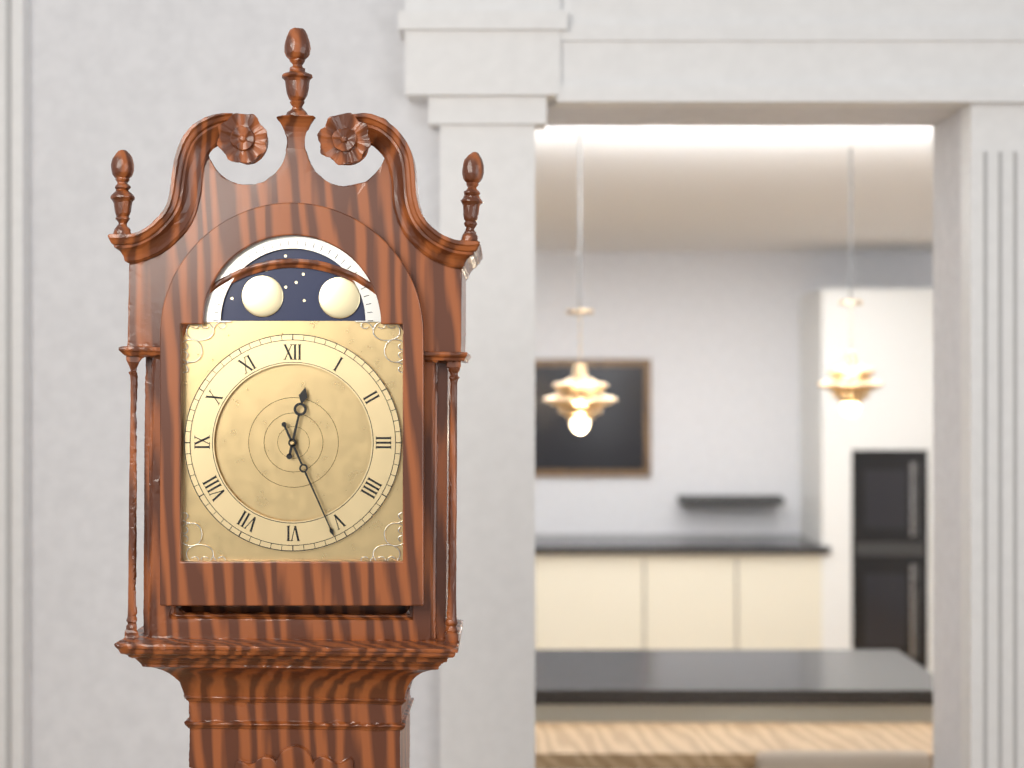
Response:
12.26
